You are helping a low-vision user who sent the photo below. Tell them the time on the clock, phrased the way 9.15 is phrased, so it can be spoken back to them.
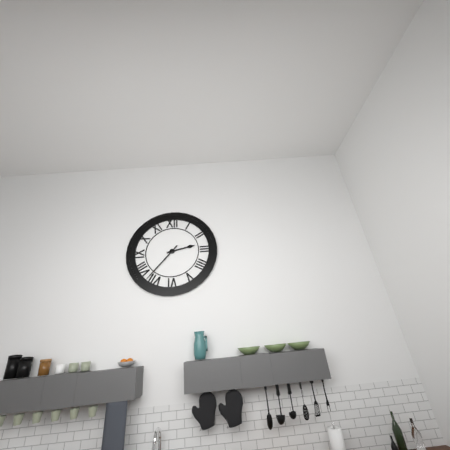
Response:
2.37
